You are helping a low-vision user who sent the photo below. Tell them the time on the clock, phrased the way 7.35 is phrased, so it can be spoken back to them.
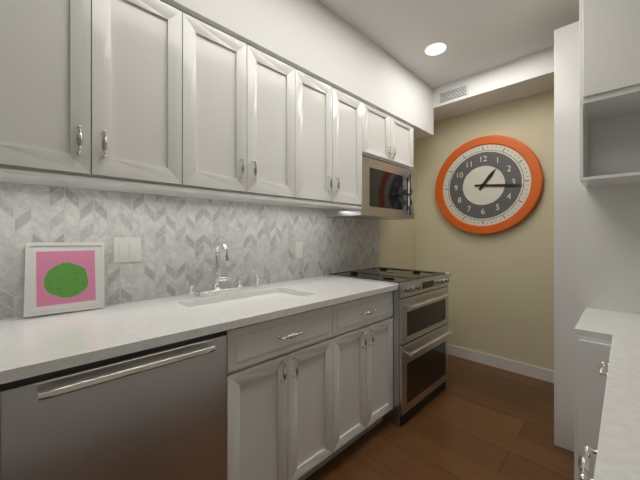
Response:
1.16
